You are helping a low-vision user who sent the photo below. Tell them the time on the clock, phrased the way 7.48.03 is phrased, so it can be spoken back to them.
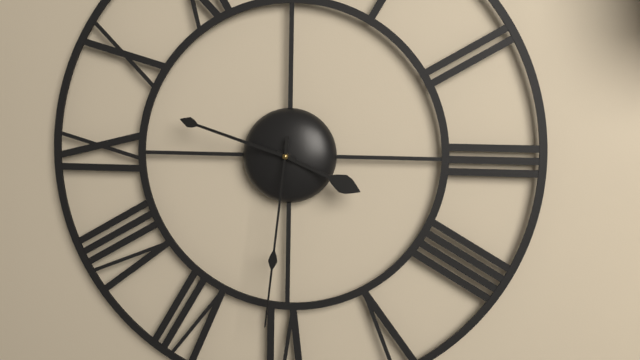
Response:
3.48.31
